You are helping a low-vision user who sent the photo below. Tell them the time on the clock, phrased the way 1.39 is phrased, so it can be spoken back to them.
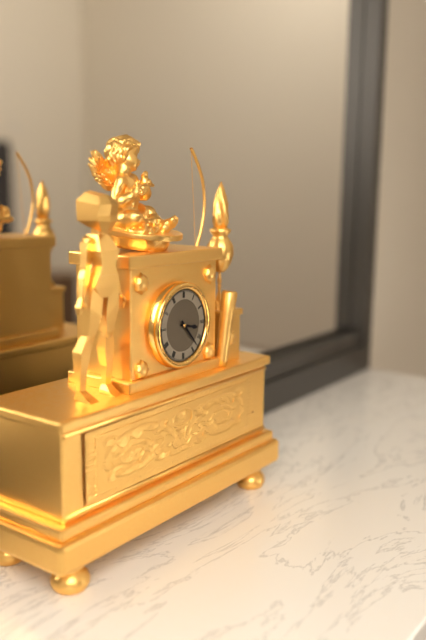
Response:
3.23
